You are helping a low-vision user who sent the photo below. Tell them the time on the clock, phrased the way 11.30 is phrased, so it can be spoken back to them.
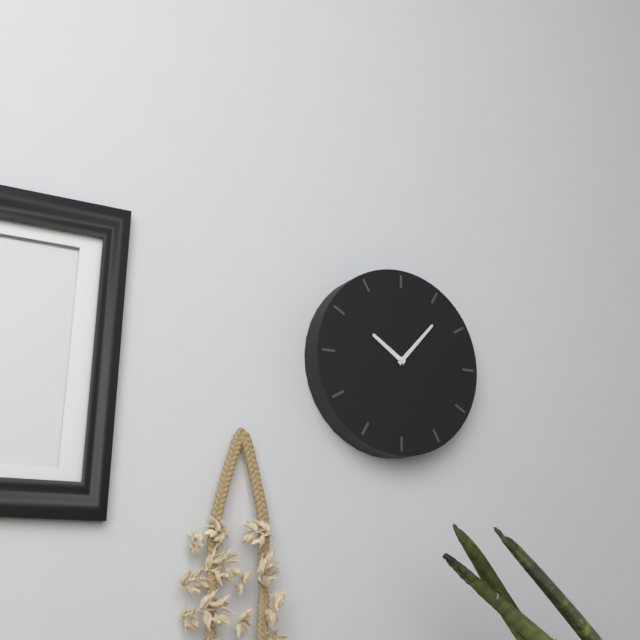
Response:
10.07
